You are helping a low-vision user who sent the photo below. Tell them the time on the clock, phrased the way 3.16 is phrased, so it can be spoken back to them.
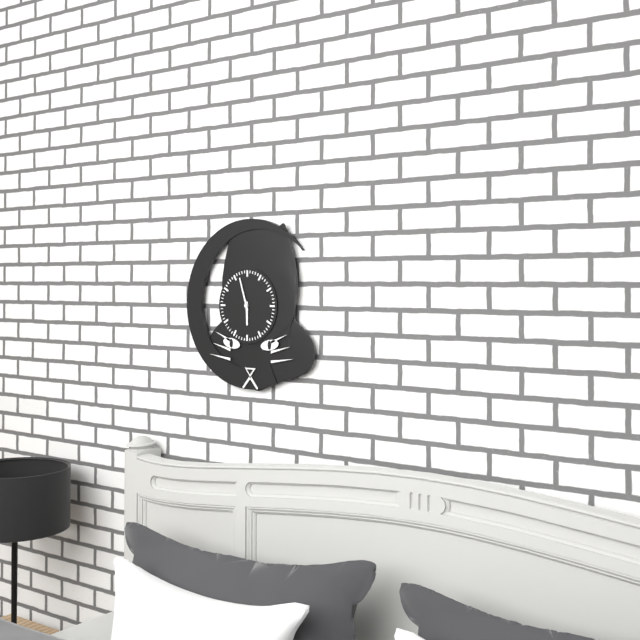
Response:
5.57
